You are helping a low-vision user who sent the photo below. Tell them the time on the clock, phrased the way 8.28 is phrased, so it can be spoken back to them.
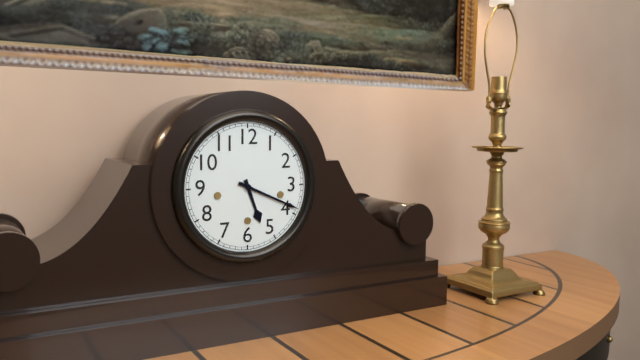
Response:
5.19
